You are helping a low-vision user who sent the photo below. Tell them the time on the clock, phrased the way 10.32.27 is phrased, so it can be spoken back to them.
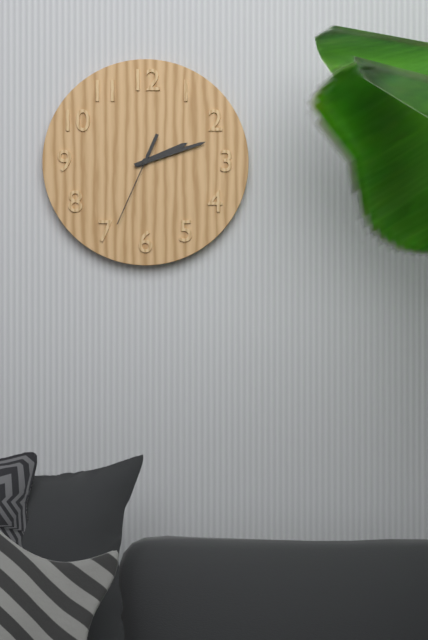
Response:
2.12.34
